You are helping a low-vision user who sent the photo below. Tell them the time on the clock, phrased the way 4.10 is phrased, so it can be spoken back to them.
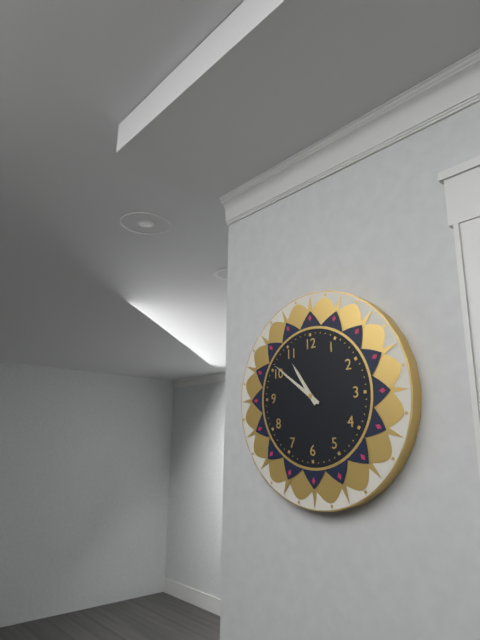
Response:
10.51
